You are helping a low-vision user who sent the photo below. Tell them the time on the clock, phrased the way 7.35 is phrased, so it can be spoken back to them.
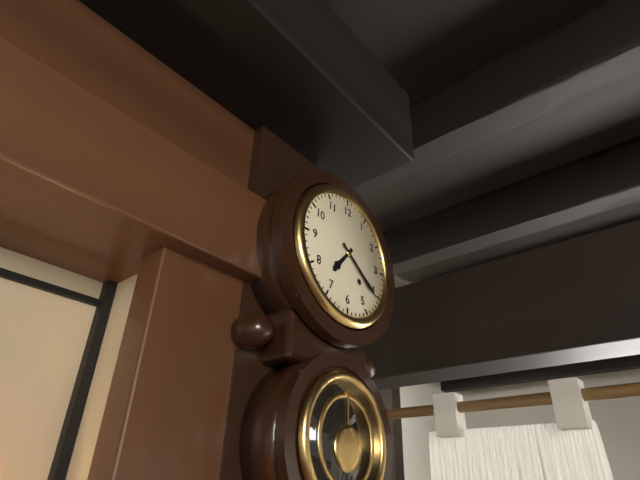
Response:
7.21
